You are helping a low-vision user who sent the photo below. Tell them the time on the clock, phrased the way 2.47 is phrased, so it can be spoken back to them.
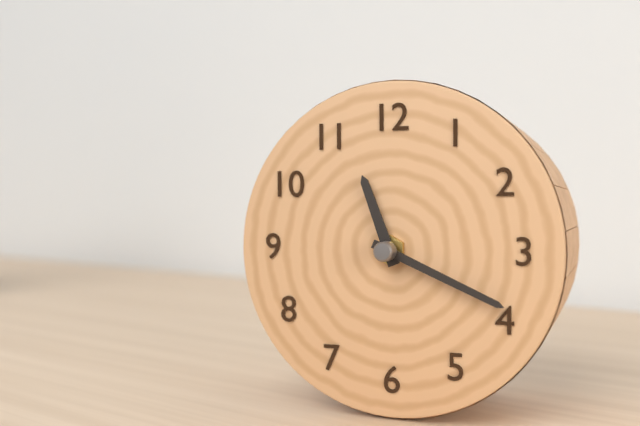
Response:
11.19
